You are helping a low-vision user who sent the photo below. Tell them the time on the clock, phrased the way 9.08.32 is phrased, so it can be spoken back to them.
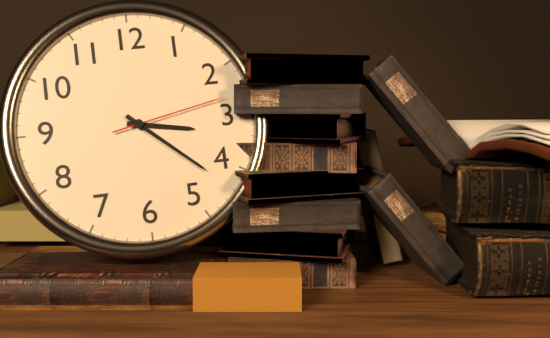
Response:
3.22.13
